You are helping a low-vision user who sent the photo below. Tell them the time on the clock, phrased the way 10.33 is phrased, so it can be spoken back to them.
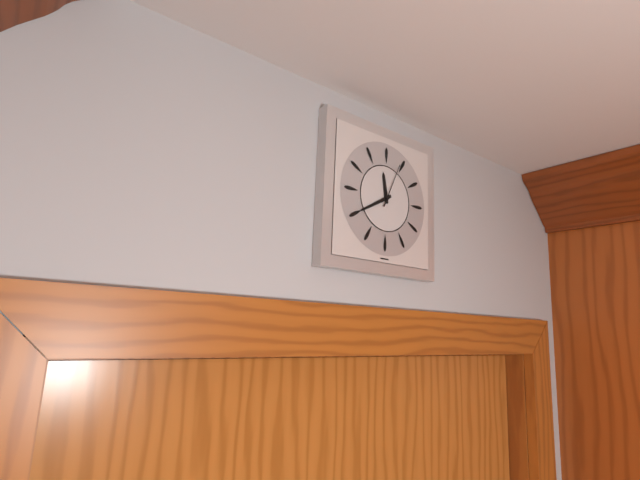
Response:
11.40
